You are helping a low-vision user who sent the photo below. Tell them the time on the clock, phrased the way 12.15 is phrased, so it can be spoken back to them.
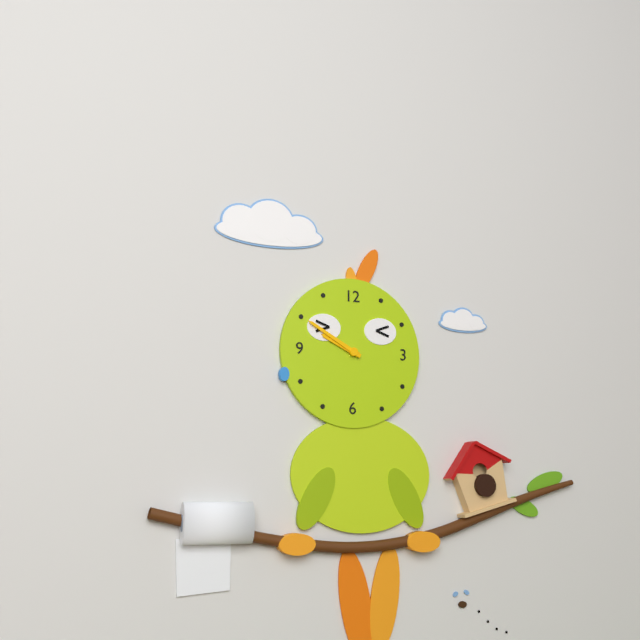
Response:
9.50
